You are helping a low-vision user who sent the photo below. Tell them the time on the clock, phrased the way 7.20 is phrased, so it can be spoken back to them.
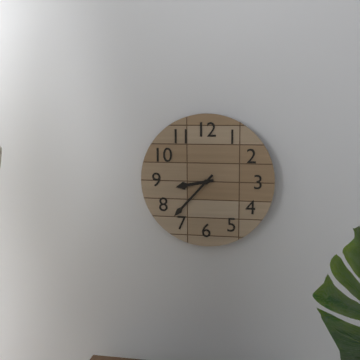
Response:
8.37
